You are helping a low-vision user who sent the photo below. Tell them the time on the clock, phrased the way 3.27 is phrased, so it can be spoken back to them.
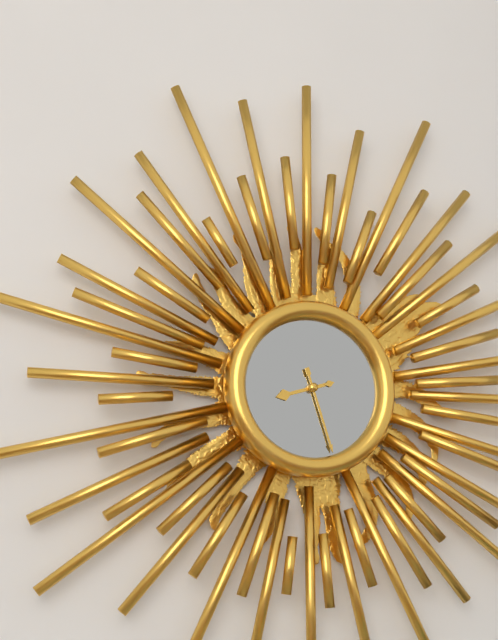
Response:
8.27
